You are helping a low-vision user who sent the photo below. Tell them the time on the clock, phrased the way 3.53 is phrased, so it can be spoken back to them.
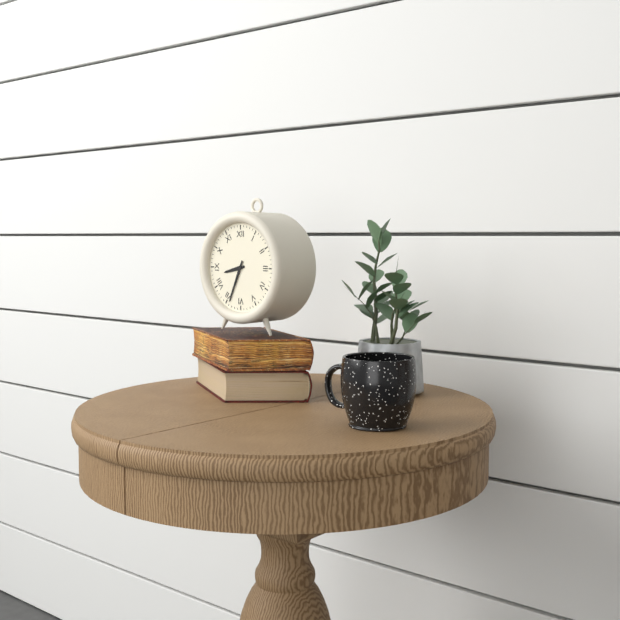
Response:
8.34
